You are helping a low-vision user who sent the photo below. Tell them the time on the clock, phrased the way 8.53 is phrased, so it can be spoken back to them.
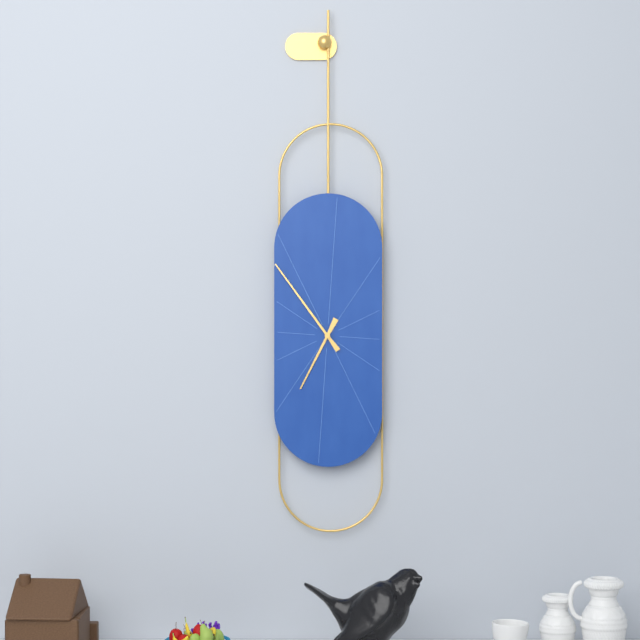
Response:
6.54
